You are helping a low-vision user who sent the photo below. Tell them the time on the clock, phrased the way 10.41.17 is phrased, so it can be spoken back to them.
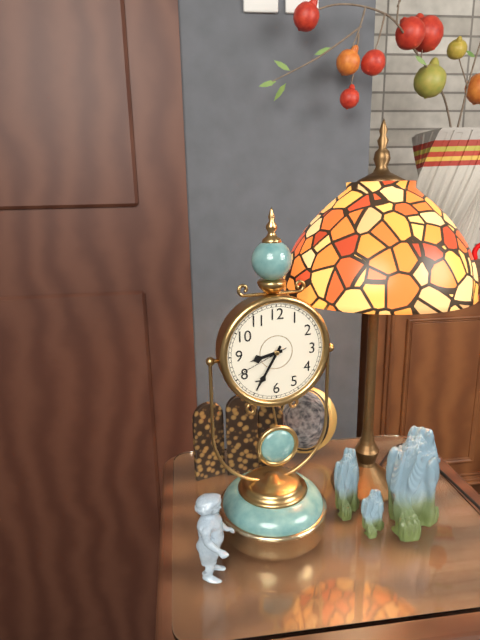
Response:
8.35.41
